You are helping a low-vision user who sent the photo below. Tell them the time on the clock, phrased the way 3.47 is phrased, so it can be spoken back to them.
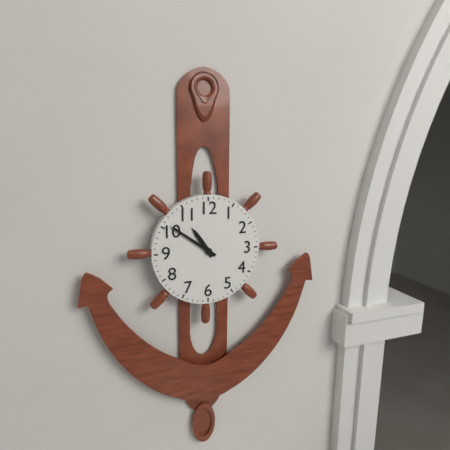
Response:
10.51
